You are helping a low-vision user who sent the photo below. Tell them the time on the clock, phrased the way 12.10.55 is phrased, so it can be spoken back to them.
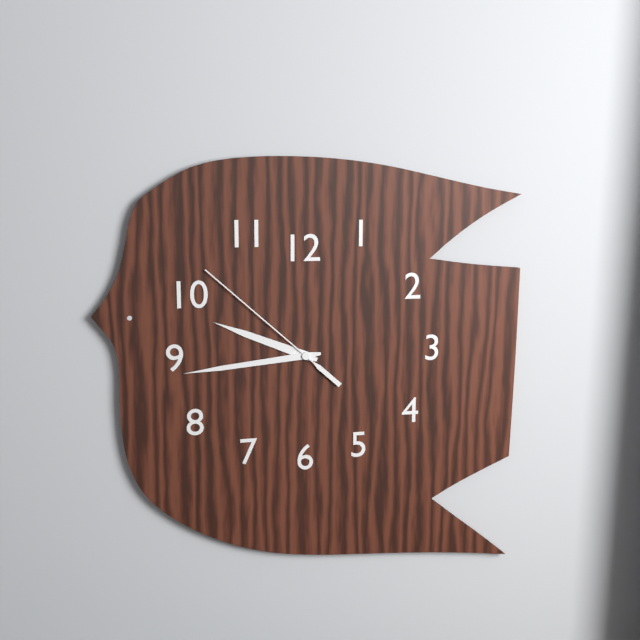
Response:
9.44.52
